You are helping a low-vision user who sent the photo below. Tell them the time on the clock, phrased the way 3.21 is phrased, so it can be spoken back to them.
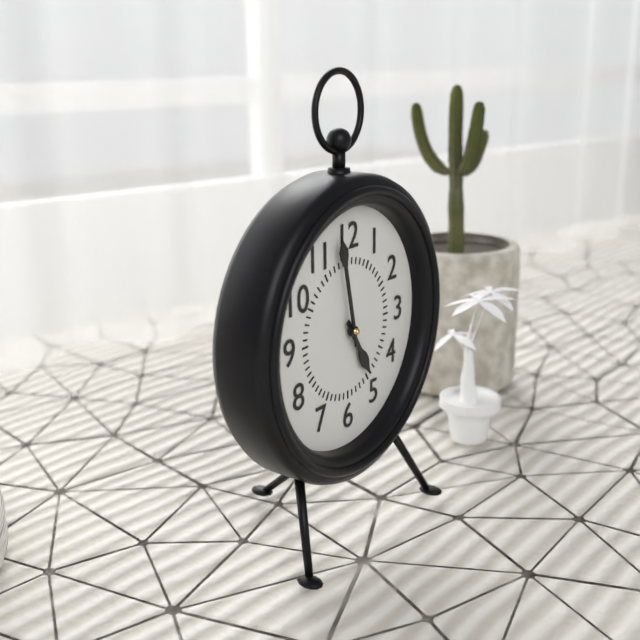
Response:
4.58
